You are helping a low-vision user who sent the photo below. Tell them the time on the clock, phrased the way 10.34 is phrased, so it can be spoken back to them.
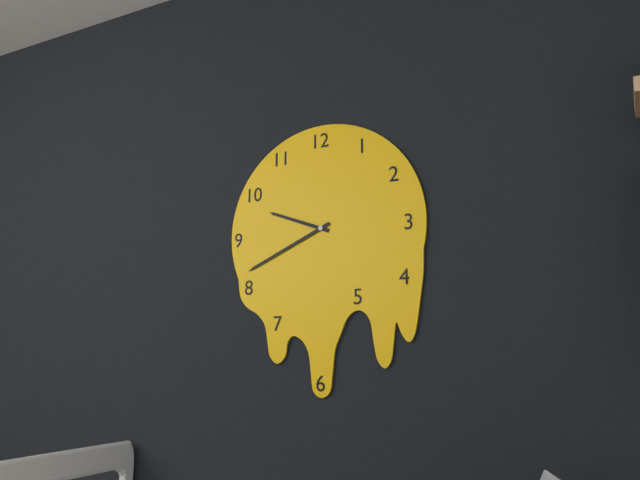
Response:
9.41
